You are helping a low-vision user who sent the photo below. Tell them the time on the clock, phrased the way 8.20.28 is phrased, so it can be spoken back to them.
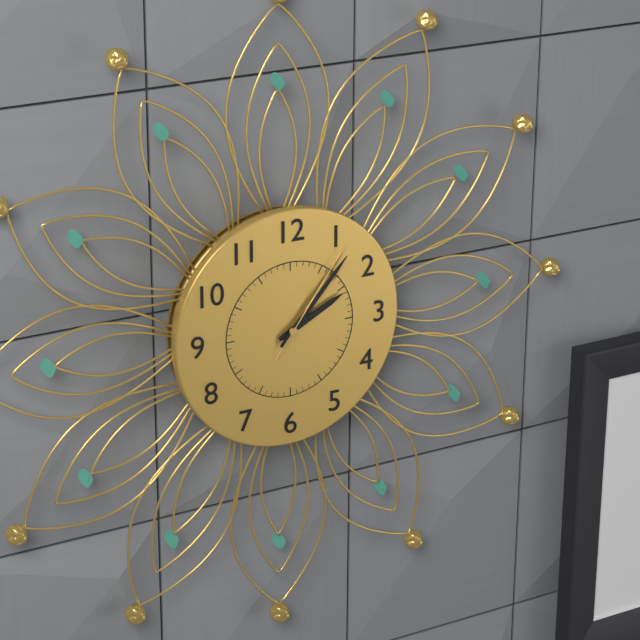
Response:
2.07.06
